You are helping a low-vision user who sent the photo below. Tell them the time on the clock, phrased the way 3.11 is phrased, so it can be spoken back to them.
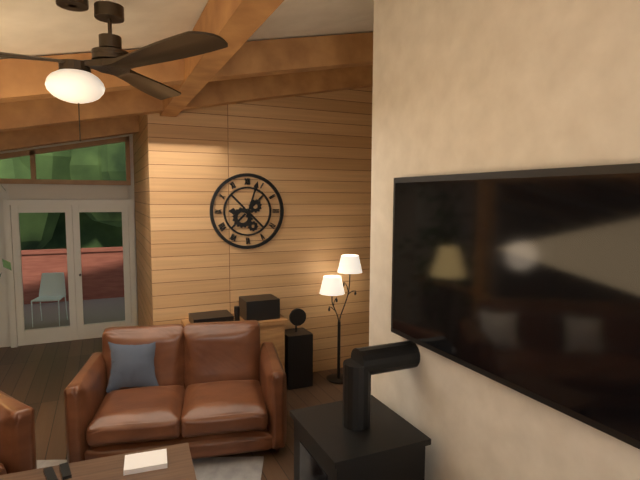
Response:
9.03
